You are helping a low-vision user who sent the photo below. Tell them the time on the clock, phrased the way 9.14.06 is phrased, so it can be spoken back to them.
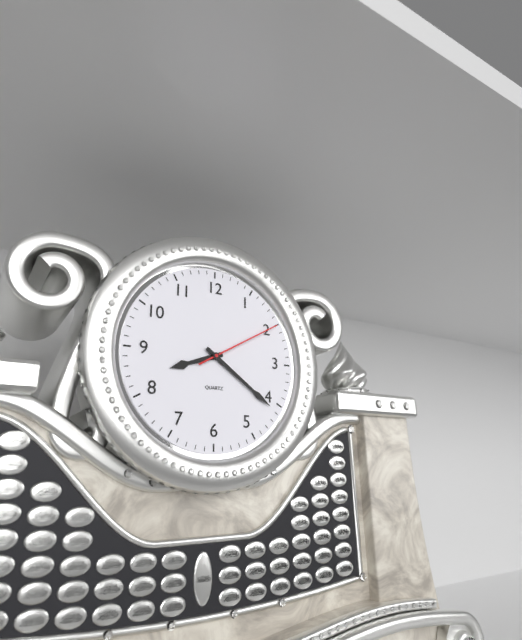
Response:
8.21.10
